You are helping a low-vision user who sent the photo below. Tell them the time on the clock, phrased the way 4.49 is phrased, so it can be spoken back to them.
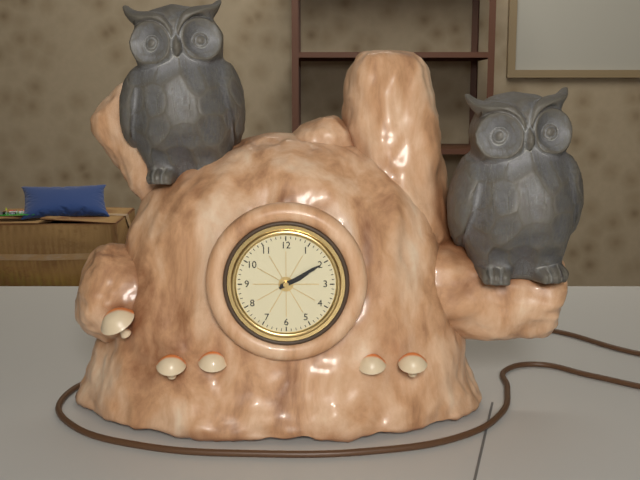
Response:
2.10
